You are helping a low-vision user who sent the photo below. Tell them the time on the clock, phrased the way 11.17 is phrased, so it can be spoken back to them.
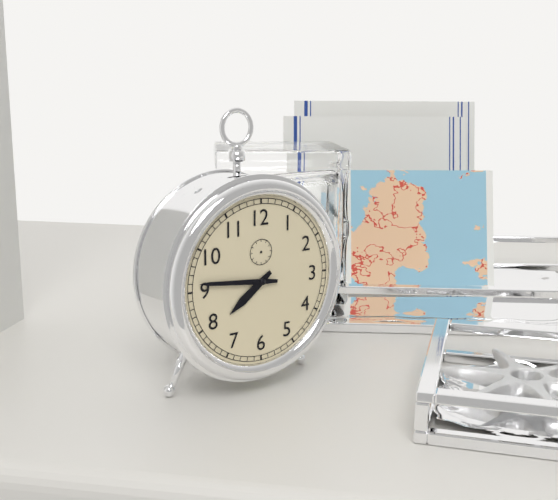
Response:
7.46
